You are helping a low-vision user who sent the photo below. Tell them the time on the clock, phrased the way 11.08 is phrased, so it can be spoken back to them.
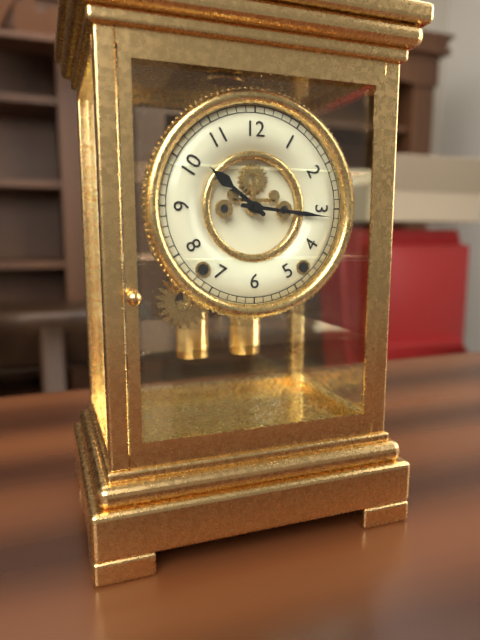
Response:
10.16
